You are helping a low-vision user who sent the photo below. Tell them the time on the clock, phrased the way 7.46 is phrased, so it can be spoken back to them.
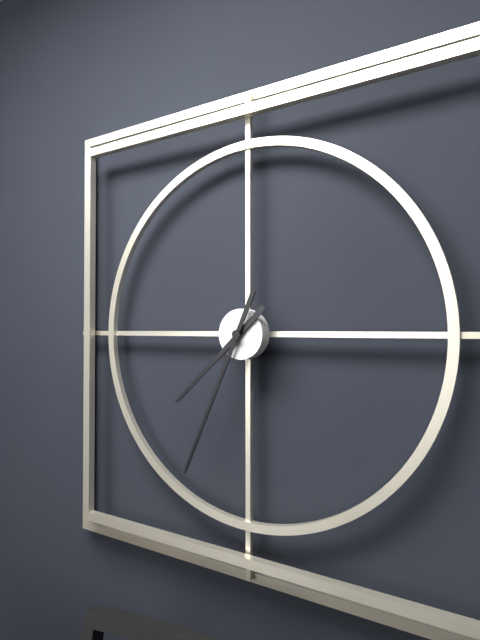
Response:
7.34
